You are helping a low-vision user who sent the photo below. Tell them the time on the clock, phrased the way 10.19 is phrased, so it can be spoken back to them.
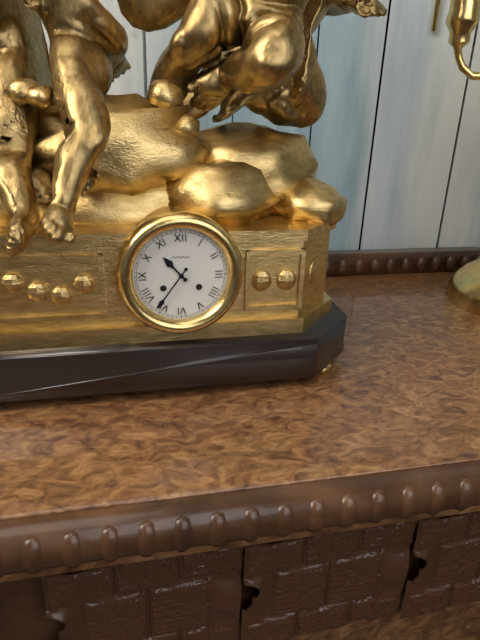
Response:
10.36
